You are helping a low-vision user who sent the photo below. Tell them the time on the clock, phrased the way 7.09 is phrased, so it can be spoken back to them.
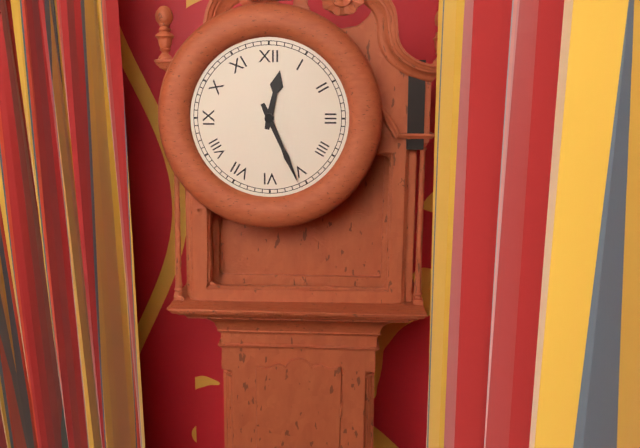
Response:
12.26
